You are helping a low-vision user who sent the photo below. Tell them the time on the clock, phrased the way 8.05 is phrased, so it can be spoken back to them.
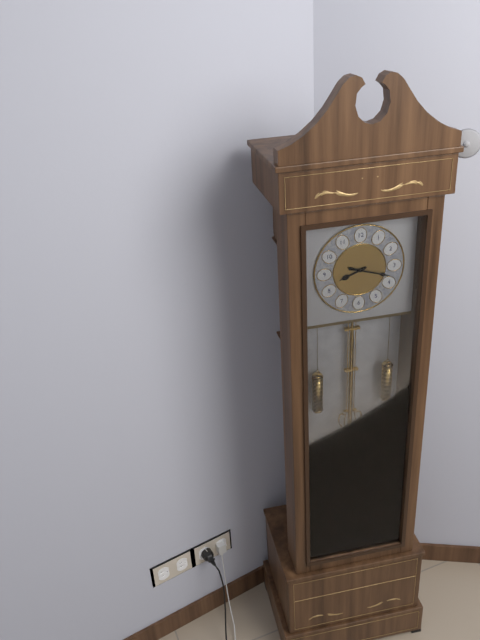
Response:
8.18
